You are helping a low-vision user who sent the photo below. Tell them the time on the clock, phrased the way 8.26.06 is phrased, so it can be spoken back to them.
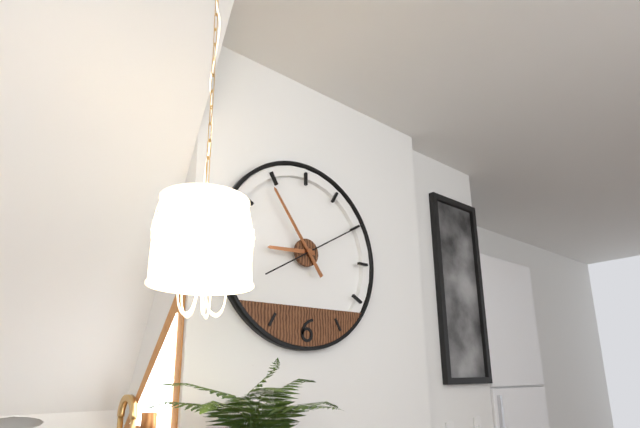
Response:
8.54.10
